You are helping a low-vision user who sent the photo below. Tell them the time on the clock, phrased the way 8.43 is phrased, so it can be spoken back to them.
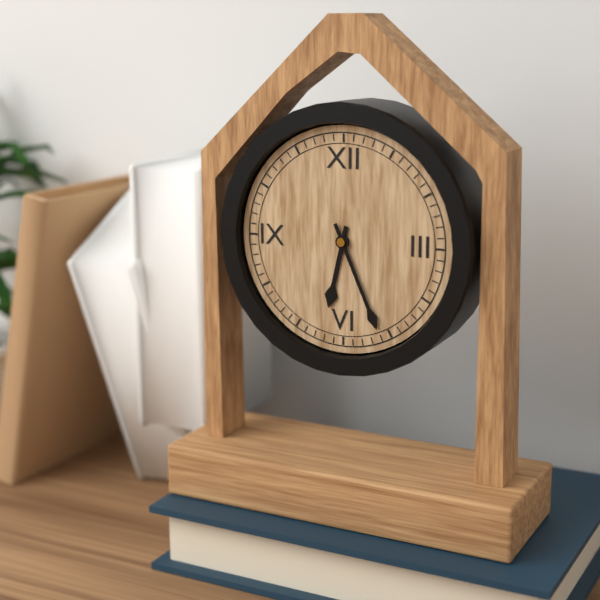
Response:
6.26
